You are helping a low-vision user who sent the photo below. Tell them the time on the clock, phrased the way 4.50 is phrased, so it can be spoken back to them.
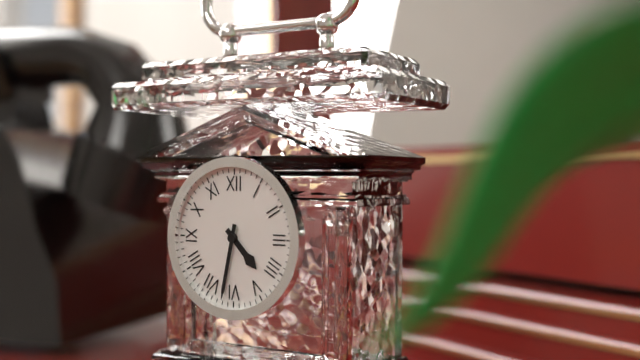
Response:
4.32
